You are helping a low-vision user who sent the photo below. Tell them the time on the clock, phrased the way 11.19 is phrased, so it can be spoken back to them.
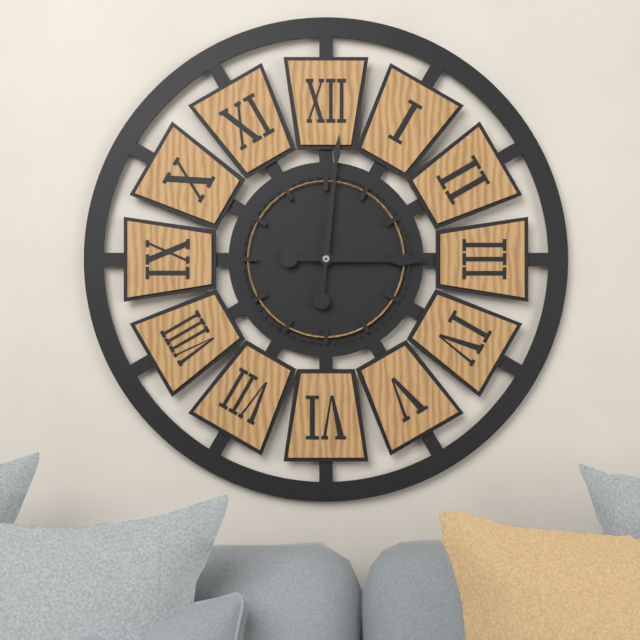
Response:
3.01
